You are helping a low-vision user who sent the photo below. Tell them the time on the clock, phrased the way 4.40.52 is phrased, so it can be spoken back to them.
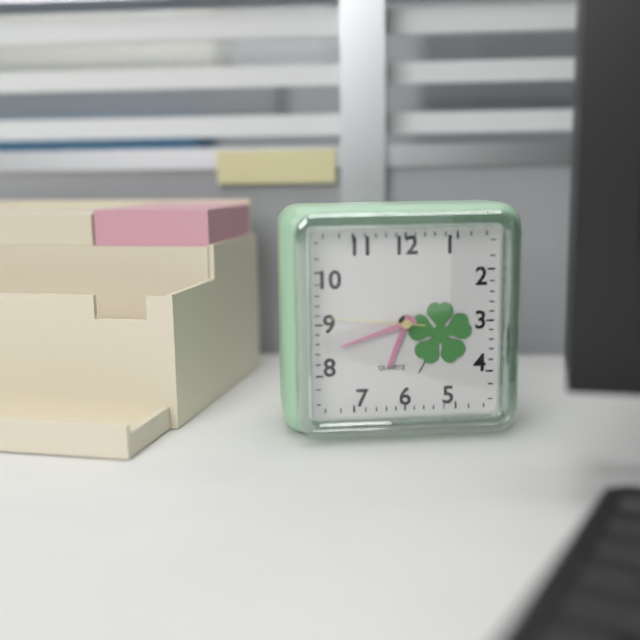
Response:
6.42.46
